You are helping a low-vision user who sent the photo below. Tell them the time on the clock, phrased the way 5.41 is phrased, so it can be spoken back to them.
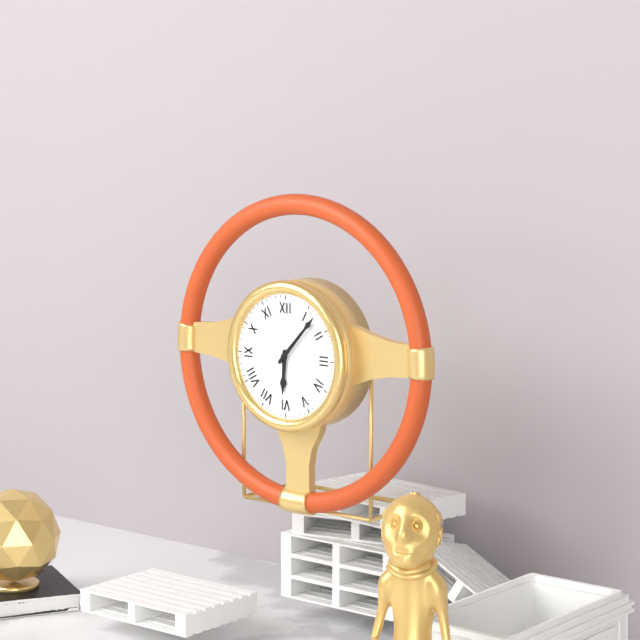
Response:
6.07
